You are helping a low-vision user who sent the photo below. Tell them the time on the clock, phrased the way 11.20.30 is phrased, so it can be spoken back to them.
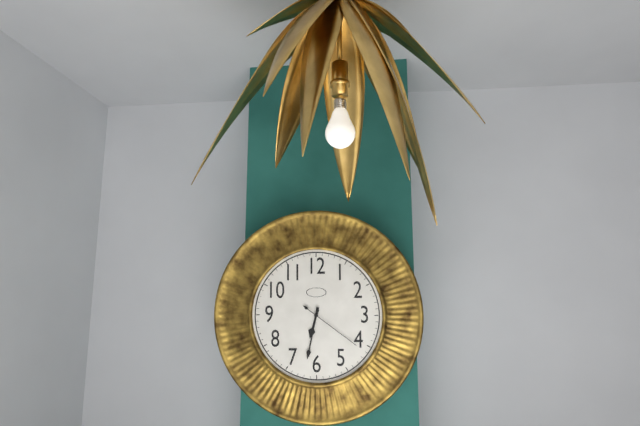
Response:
6.32.21
